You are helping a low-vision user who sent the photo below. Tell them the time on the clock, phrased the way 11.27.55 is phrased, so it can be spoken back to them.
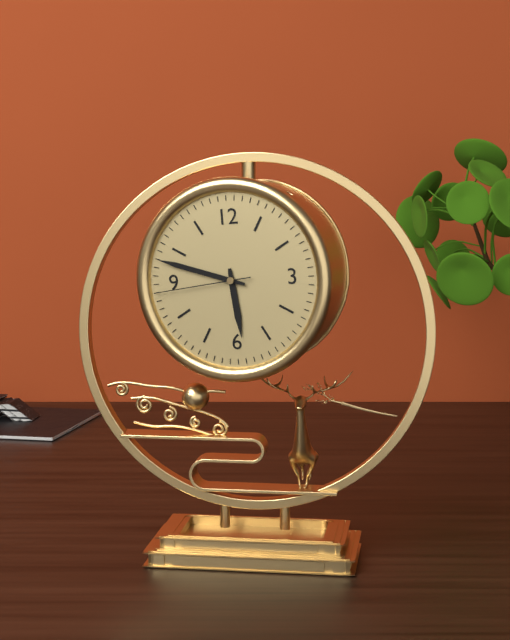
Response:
5.48.44
